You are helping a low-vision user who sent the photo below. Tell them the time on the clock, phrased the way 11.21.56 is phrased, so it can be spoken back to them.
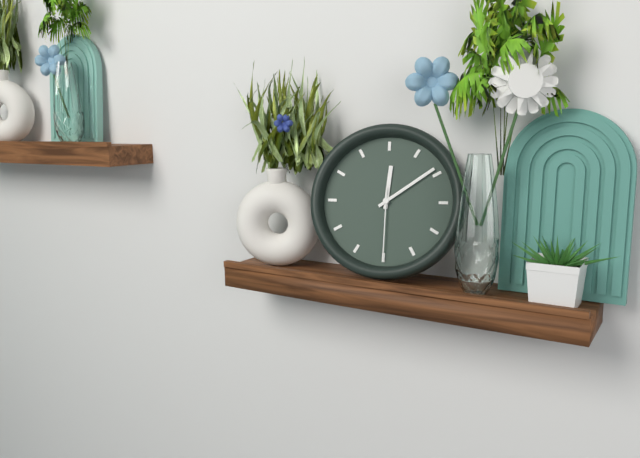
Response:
12.09.30
